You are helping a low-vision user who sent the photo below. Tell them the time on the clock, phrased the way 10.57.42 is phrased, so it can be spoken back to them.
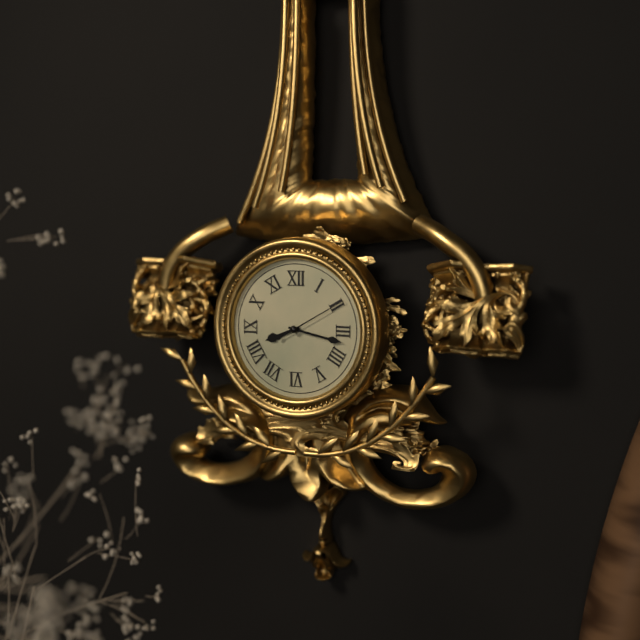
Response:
8.17.10
